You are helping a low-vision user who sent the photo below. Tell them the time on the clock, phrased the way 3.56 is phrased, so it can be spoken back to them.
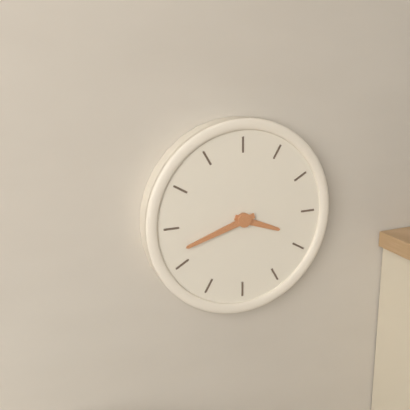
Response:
3.42
